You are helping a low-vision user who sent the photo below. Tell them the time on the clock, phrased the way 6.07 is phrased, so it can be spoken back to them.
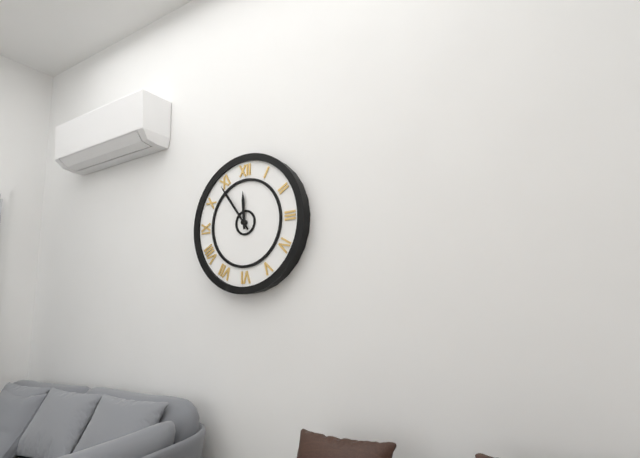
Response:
11.54
